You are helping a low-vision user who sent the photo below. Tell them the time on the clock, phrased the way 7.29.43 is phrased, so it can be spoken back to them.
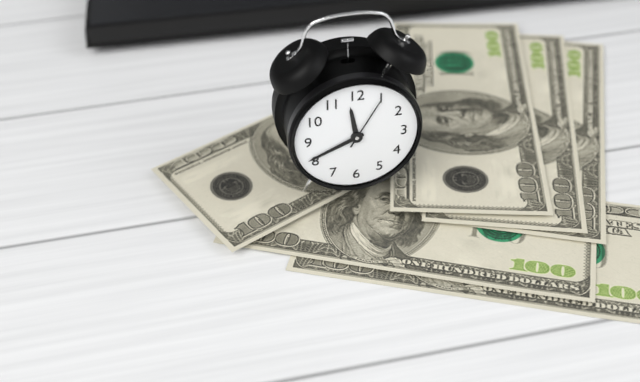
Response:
11.41.05
